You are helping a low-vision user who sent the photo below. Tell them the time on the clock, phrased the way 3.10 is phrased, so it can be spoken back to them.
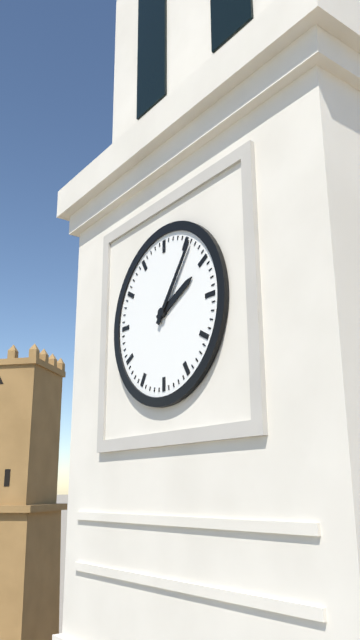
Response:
2.06
